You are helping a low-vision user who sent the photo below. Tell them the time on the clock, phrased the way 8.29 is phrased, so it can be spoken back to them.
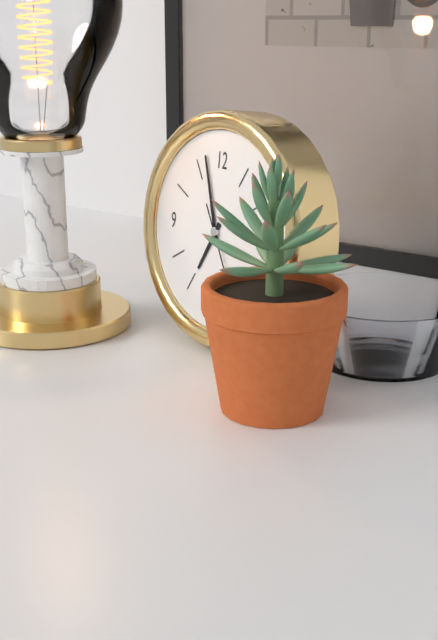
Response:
6.57
